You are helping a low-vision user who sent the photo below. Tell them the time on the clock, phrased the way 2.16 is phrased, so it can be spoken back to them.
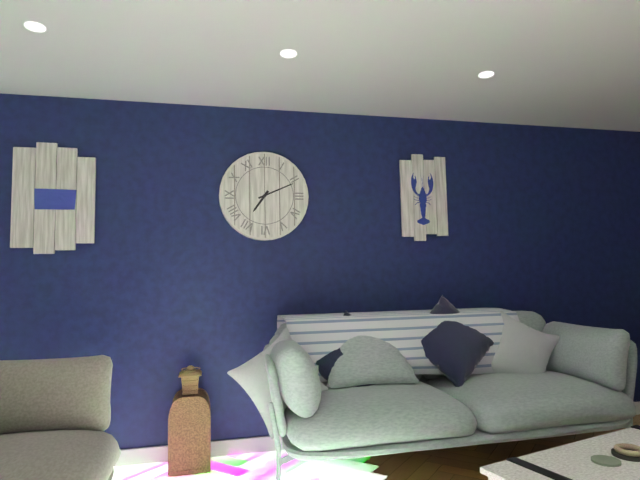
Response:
7.11
